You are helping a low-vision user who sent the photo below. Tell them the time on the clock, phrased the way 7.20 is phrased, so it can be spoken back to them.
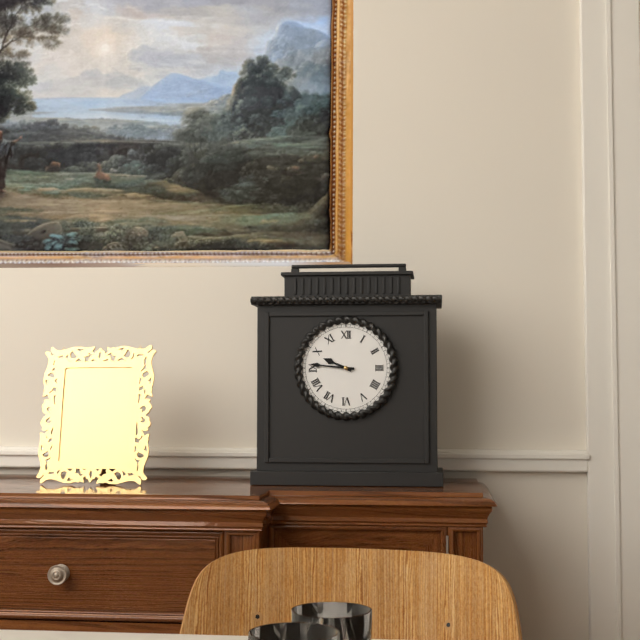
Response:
9.46
